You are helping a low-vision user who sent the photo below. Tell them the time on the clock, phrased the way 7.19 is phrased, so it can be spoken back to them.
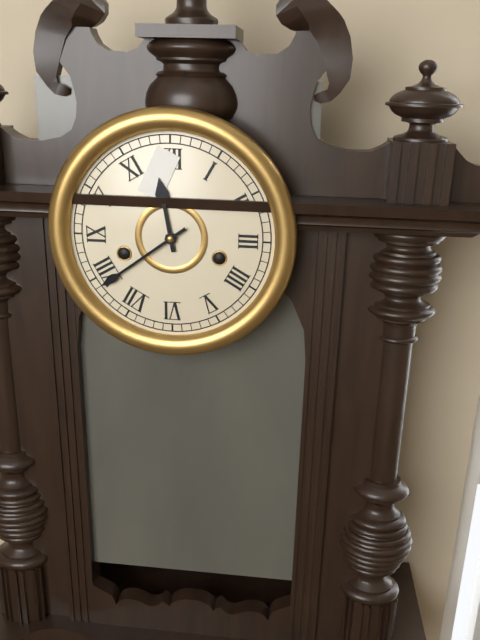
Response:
11.39
